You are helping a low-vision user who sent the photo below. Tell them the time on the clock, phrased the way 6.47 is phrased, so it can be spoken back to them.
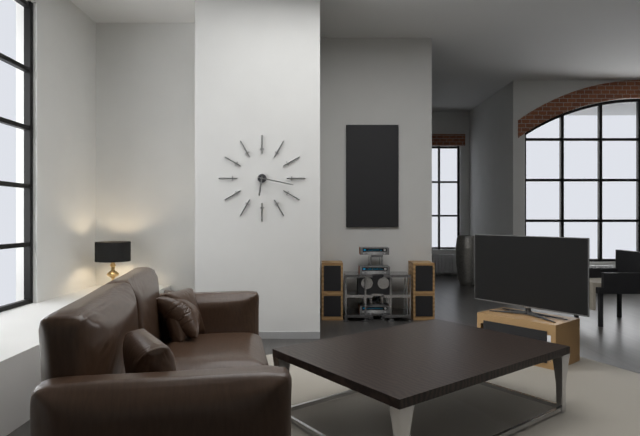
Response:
6.17
